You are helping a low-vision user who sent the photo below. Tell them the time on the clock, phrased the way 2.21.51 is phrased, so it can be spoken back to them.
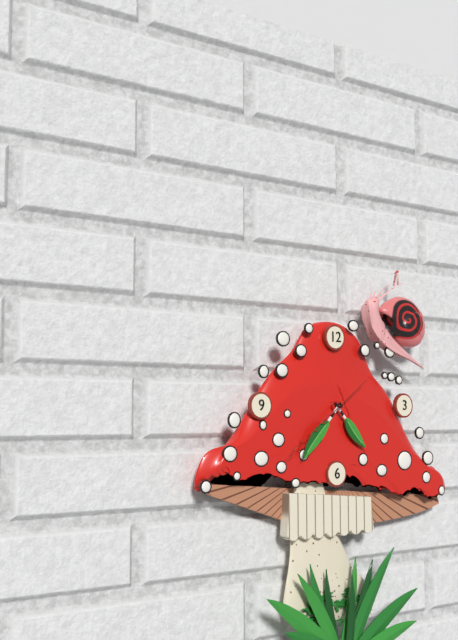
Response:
4.37.39
